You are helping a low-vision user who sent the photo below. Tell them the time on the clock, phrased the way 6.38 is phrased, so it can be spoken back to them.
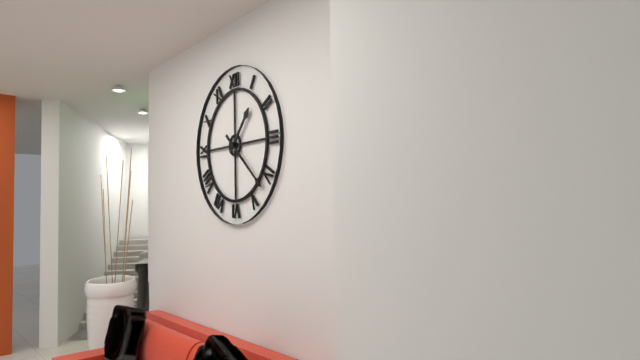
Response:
1.22
